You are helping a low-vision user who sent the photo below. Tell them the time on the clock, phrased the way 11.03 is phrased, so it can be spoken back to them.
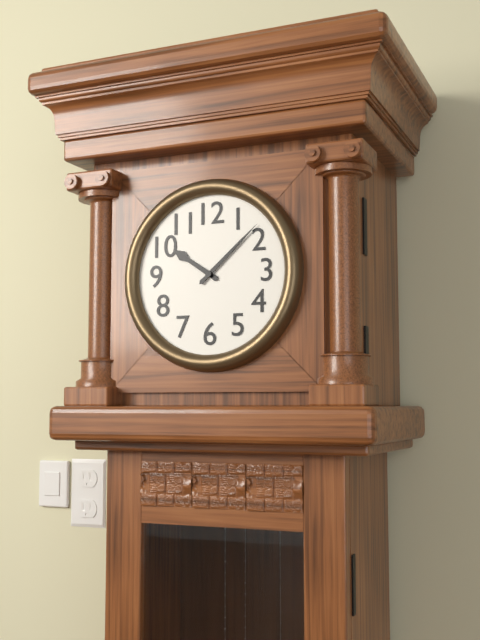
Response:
10.08
